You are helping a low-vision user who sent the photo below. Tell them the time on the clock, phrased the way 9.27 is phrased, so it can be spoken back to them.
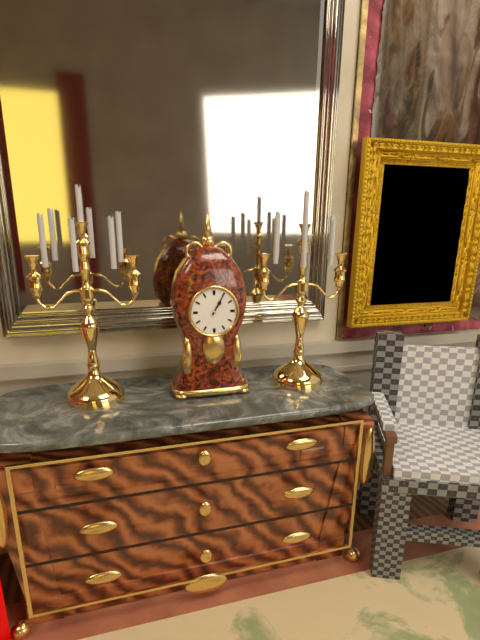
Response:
1.05
